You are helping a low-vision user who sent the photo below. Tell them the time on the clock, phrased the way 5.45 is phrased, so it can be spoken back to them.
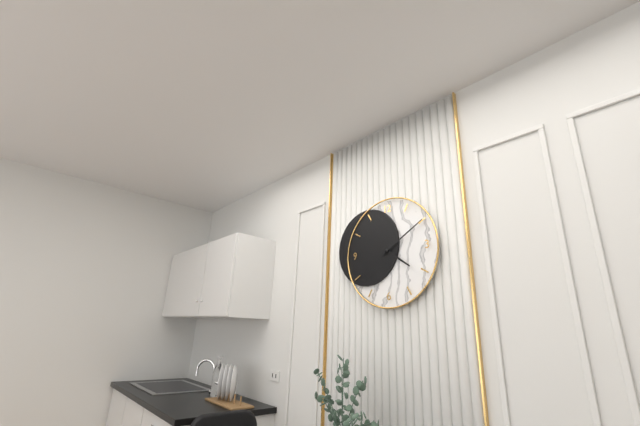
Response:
4.10
